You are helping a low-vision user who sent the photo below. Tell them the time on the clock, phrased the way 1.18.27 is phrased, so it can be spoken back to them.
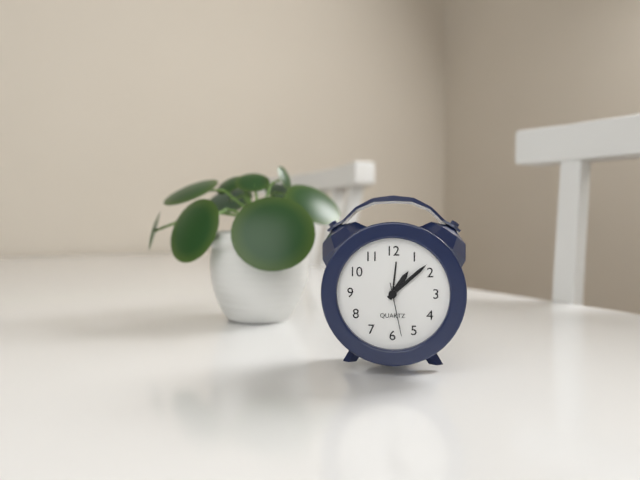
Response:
1.08.28
